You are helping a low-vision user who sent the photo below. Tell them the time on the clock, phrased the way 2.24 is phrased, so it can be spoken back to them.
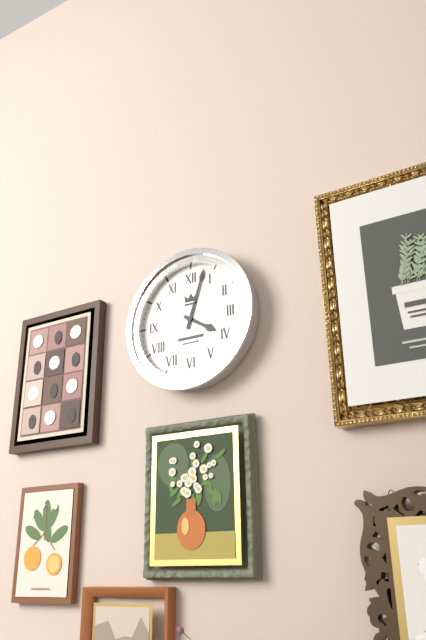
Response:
4.03
